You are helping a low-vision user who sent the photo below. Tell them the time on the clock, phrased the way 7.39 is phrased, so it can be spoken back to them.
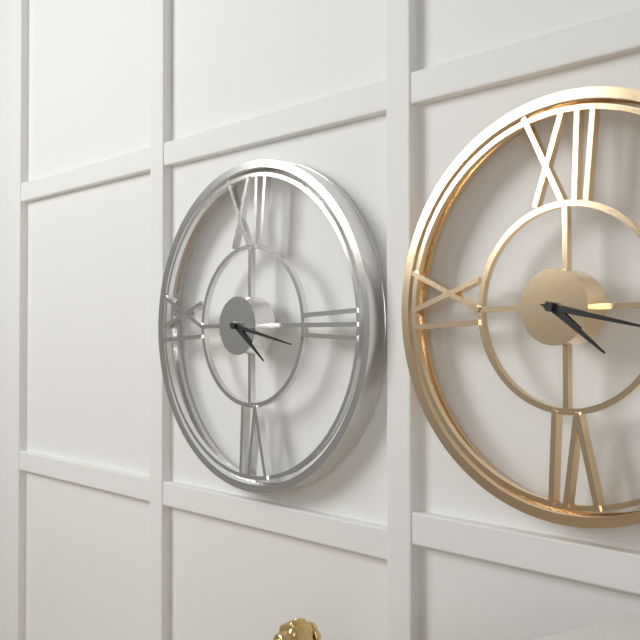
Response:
4.17
